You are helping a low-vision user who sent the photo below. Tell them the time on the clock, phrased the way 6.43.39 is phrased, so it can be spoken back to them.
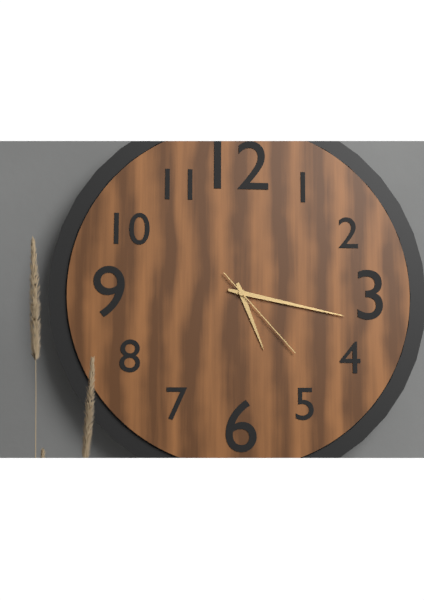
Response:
5.17.23
